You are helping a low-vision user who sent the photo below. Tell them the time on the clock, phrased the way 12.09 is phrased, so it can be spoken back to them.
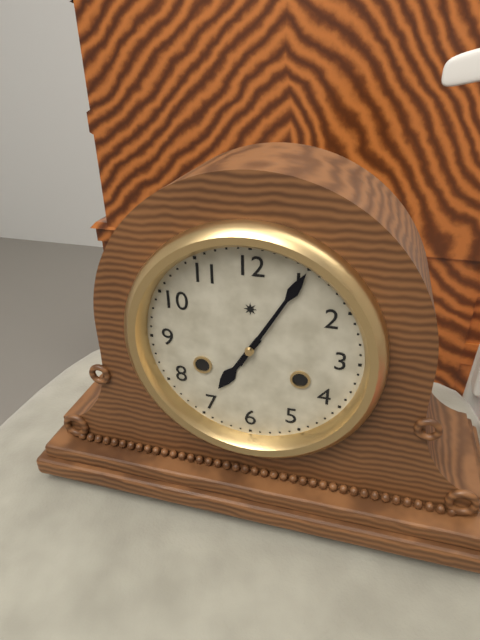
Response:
7.05
